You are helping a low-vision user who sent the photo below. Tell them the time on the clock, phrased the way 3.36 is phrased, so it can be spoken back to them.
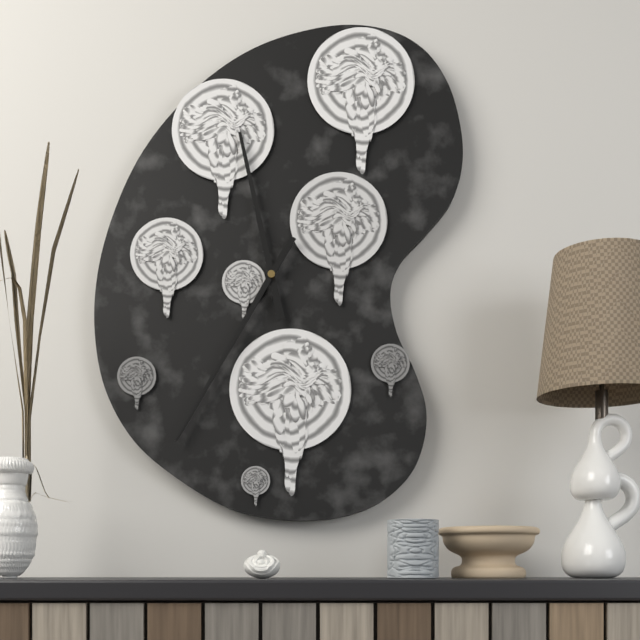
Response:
11.35
